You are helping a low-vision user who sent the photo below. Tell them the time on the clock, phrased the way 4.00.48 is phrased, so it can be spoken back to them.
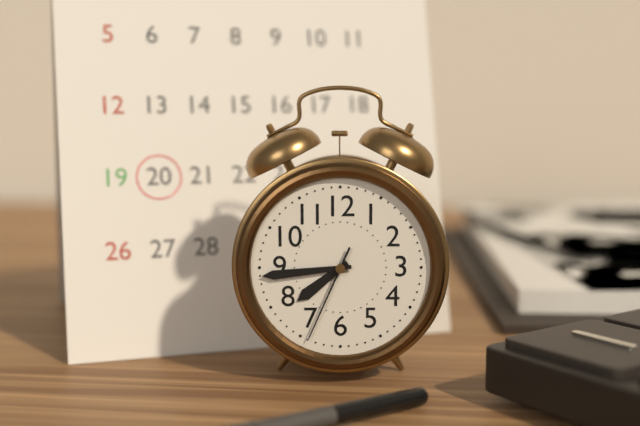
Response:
7.44.34
